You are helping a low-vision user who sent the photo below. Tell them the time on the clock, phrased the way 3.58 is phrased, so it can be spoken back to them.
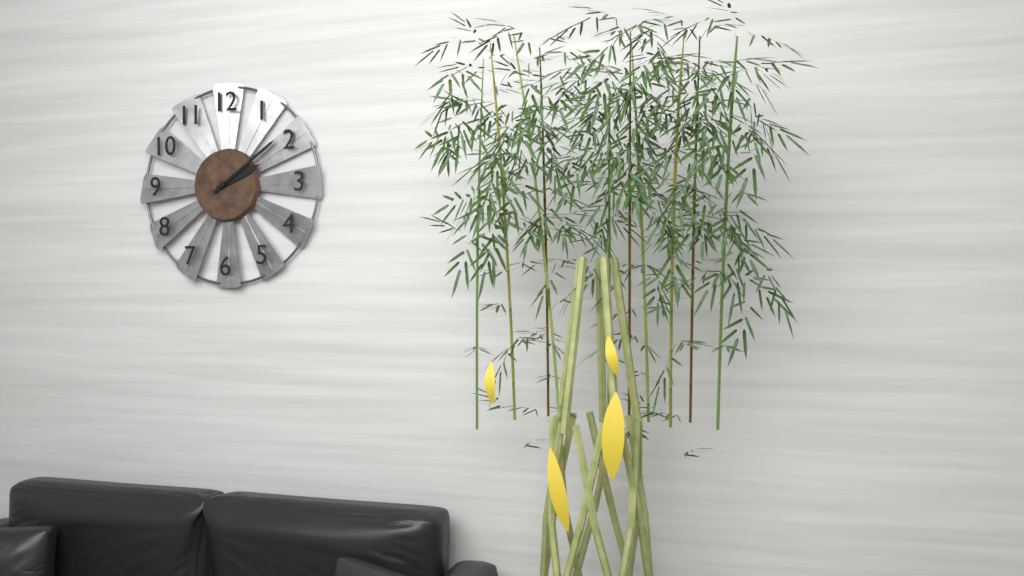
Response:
2.09
